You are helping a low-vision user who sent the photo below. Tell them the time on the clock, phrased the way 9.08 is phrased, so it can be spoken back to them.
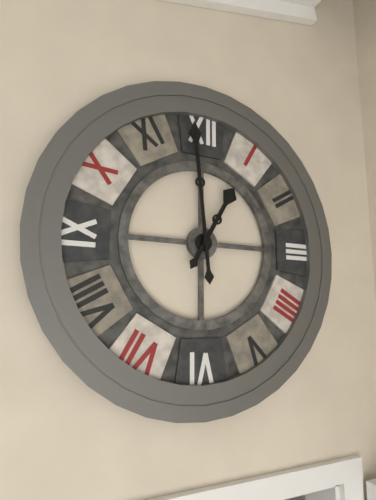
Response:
12.59
